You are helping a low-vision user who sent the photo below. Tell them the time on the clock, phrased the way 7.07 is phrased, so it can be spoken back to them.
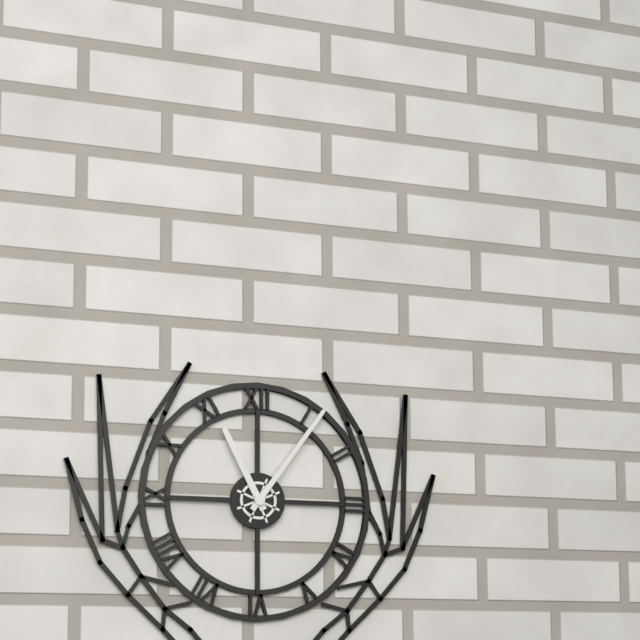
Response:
11.06
